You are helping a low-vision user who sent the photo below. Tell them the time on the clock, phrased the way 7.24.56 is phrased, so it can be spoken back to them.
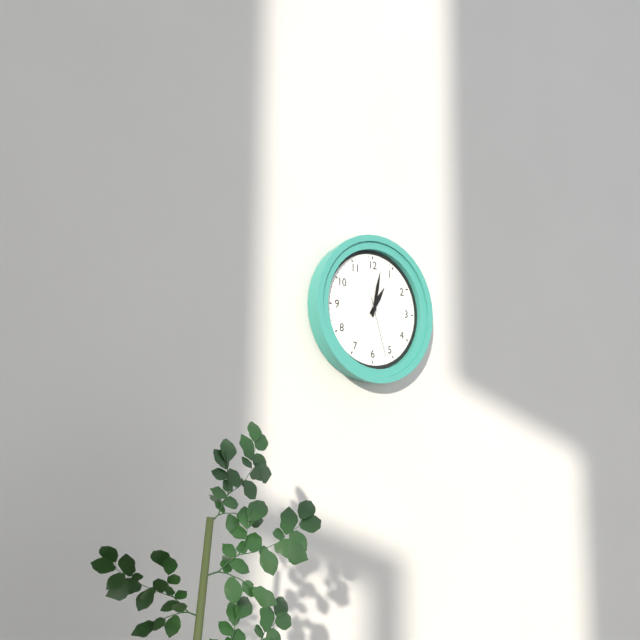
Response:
1.02.27
